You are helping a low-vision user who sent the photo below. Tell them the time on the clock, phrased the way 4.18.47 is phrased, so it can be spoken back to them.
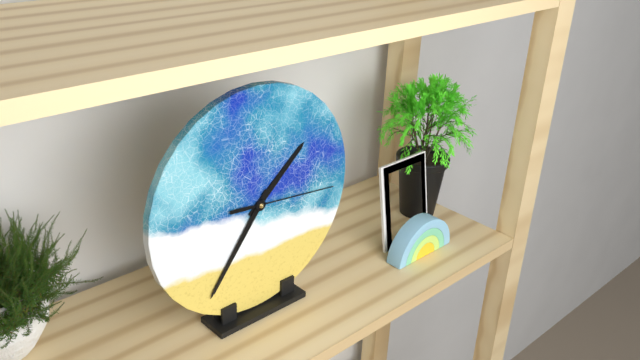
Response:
1.36.16
